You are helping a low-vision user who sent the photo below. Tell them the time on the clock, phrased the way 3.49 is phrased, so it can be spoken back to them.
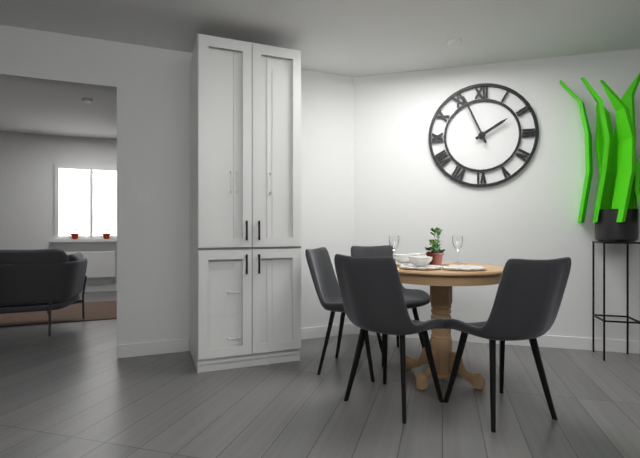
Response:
1.56
